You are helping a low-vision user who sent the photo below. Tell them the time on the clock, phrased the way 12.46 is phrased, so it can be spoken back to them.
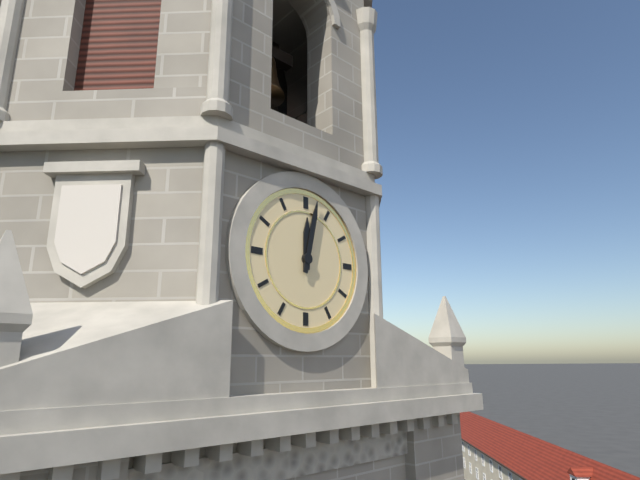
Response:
12.02
